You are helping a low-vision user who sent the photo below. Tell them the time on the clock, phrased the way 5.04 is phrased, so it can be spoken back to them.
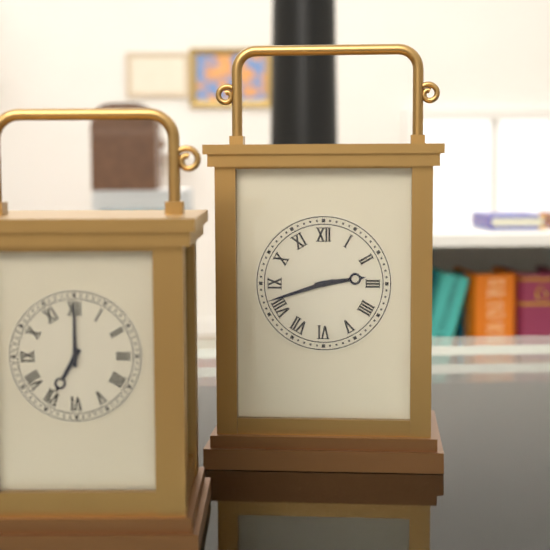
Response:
2.42
